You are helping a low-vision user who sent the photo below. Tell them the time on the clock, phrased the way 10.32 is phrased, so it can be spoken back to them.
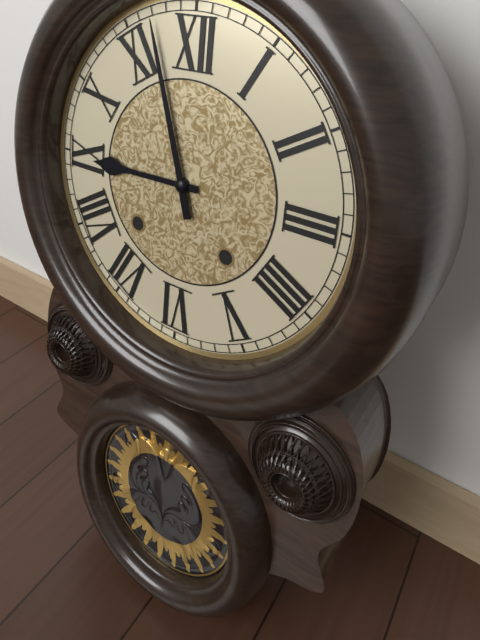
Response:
8.57
